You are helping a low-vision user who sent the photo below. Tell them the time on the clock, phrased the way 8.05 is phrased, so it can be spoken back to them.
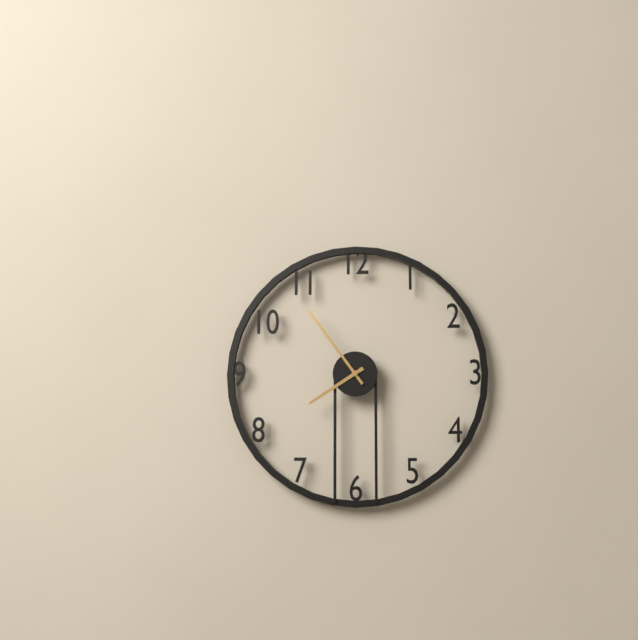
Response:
7.54
